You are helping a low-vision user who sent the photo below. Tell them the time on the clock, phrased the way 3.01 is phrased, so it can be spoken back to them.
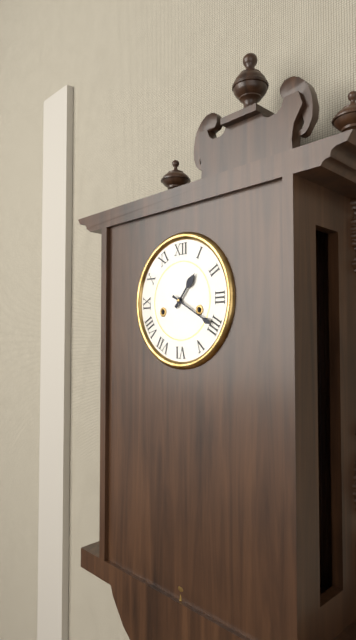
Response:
1.20
